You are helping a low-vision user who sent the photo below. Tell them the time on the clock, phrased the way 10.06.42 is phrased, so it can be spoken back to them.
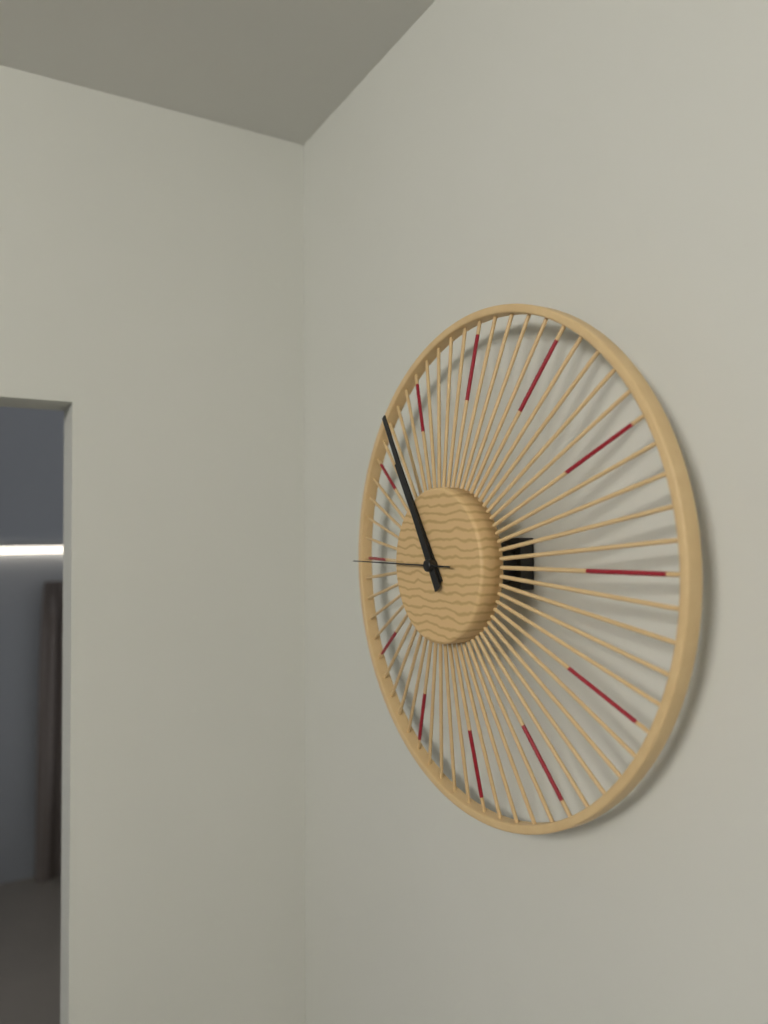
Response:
10.55.45
